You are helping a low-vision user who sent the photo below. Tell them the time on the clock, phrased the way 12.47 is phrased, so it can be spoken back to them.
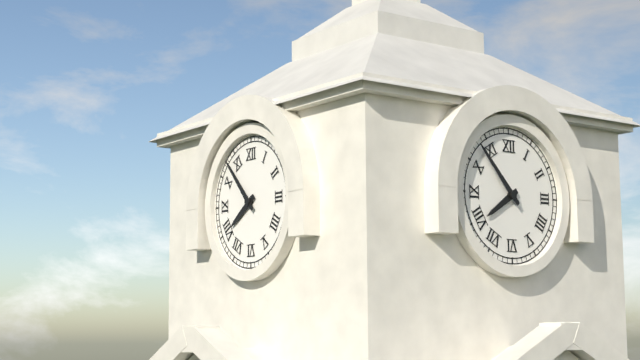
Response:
7.53
